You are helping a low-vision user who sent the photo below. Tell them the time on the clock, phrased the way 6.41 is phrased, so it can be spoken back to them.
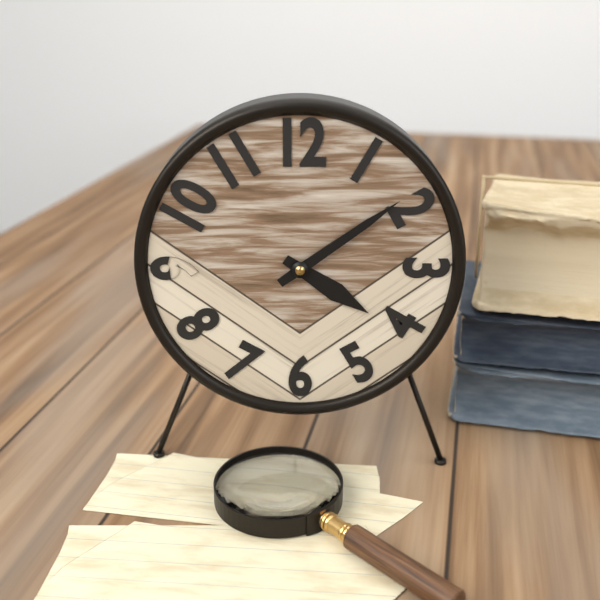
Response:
4.09
